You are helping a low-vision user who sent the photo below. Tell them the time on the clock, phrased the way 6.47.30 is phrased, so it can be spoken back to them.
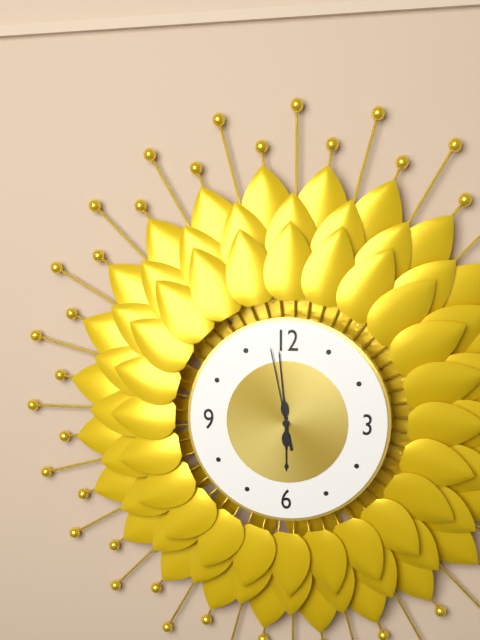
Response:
5.59.58
